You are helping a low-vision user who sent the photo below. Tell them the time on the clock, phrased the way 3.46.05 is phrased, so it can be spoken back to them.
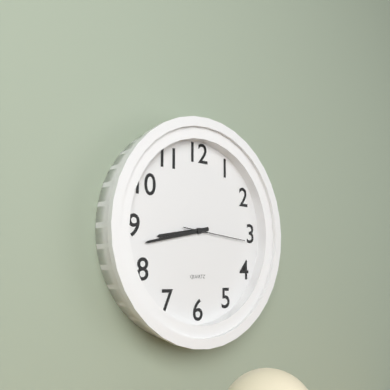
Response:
8.43.16
